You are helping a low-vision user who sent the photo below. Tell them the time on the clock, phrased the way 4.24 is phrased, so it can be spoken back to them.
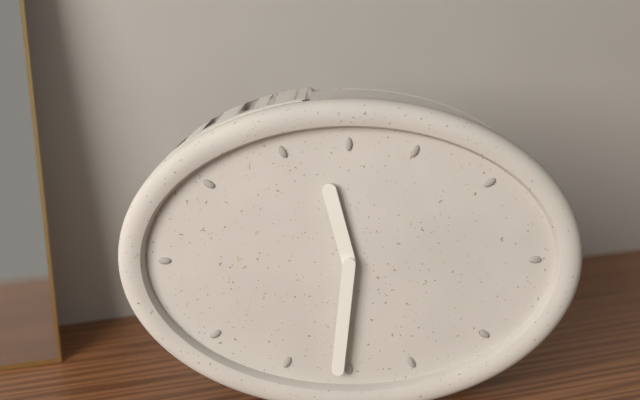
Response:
11.31
